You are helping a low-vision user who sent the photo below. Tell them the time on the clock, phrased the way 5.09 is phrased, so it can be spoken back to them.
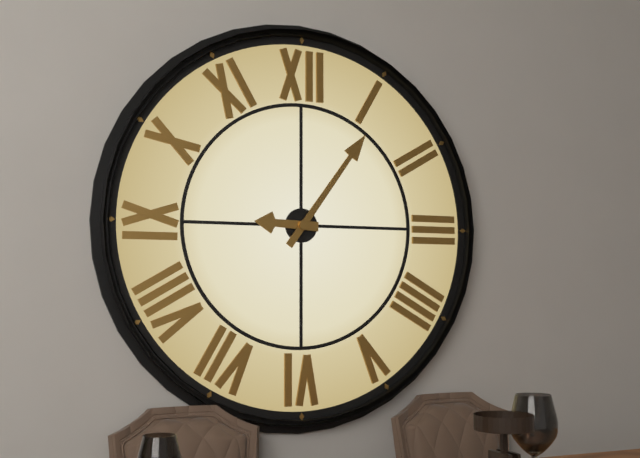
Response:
9.06
